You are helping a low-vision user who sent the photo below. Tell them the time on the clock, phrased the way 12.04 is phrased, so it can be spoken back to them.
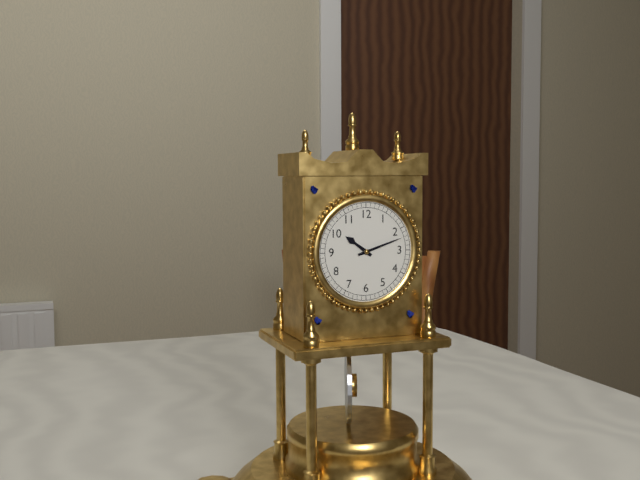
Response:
10.12
